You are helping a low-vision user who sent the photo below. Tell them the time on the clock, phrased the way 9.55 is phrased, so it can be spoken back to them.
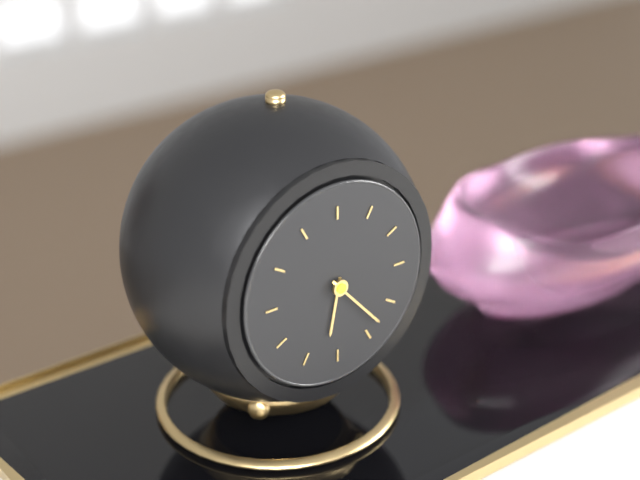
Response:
6.23
